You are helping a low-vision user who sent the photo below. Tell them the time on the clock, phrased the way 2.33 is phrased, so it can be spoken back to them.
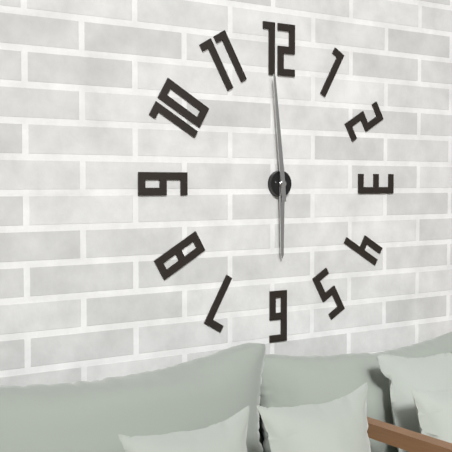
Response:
5.59
